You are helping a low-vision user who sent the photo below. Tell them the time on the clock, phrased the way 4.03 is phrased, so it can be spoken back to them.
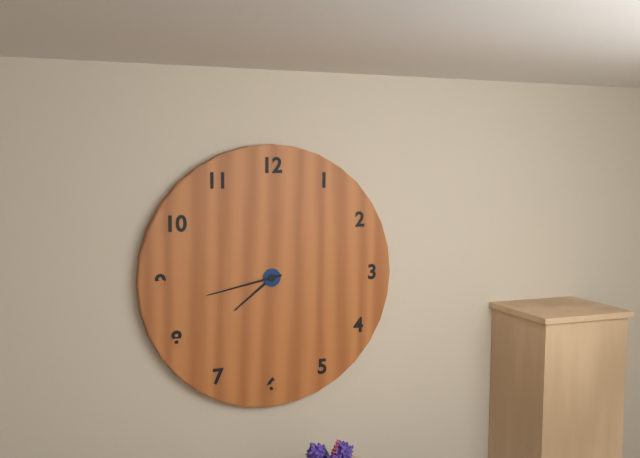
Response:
7.43
